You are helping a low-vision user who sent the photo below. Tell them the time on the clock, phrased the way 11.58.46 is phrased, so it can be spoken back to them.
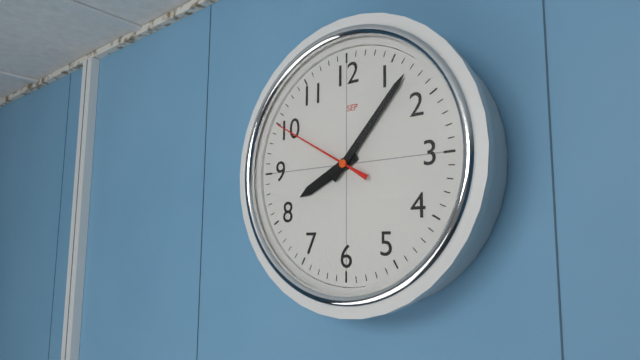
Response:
8.07.50
